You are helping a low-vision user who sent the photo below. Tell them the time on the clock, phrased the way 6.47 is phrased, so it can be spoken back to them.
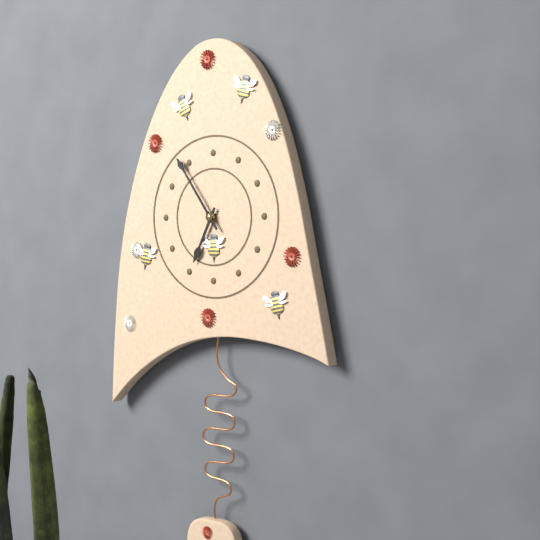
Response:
6.54
